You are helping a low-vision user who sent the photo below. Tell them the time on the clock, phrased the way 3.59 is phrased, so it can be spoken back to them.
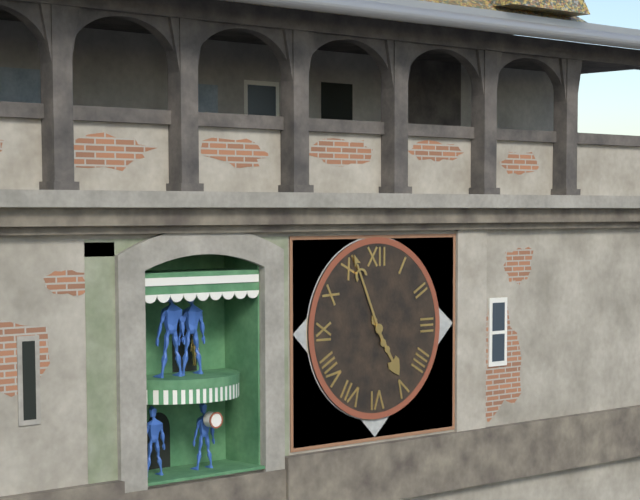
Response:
4.56
